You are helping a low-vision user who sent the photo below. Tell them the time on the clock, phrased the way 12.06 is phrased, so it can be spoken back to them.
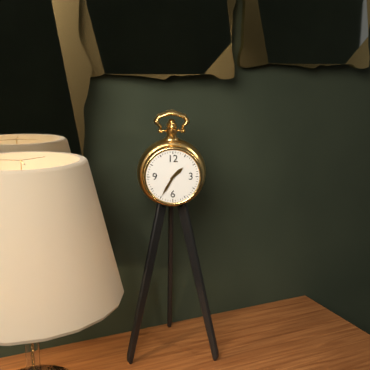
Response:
1.35
